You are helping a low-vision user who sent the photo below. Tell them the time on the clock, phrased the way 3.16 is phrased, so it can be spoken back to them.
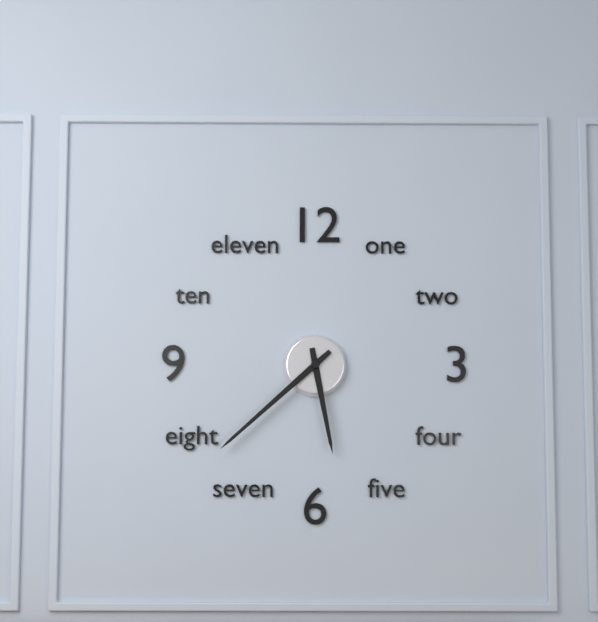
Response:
5.38
